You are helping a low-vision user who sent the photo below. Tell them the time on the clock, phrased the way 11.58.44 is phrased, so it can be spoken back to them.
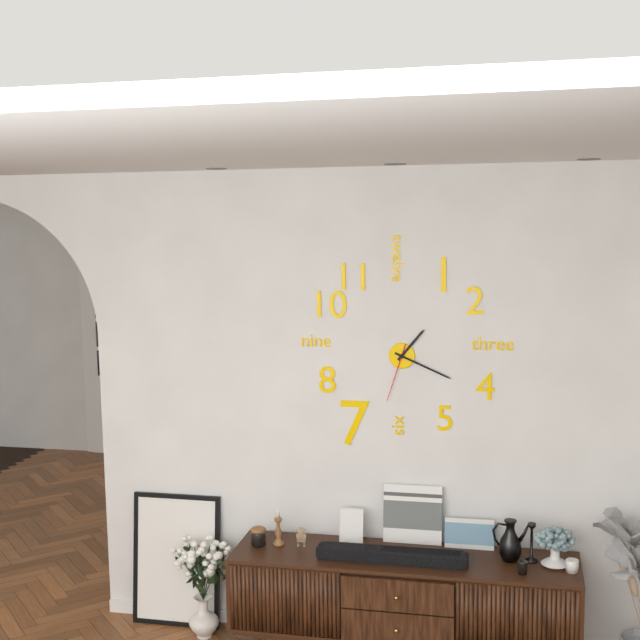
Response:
1.19.33
